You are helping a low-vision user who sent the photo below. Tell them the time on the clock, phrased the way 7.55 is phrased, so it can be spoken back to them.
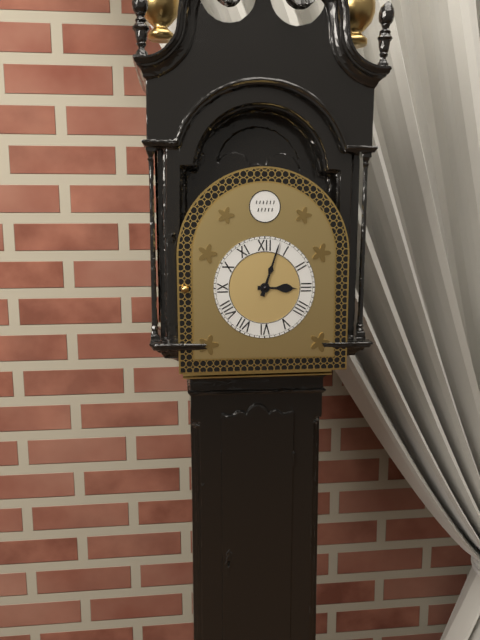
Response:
3.03
